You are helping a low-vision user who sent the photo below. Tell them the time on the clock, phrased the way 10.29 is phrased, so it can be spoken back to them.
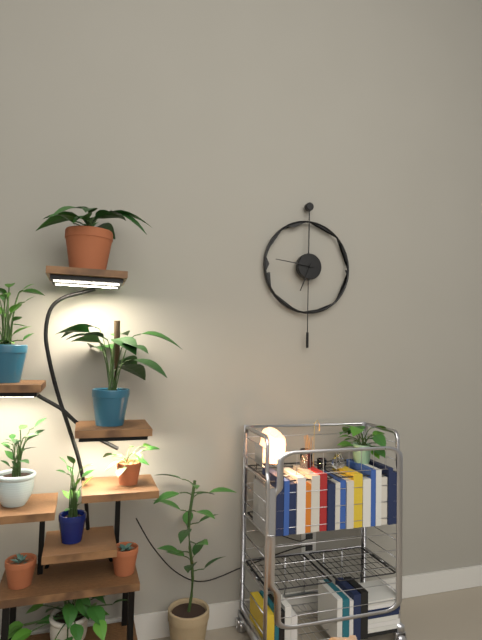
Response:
6.46
